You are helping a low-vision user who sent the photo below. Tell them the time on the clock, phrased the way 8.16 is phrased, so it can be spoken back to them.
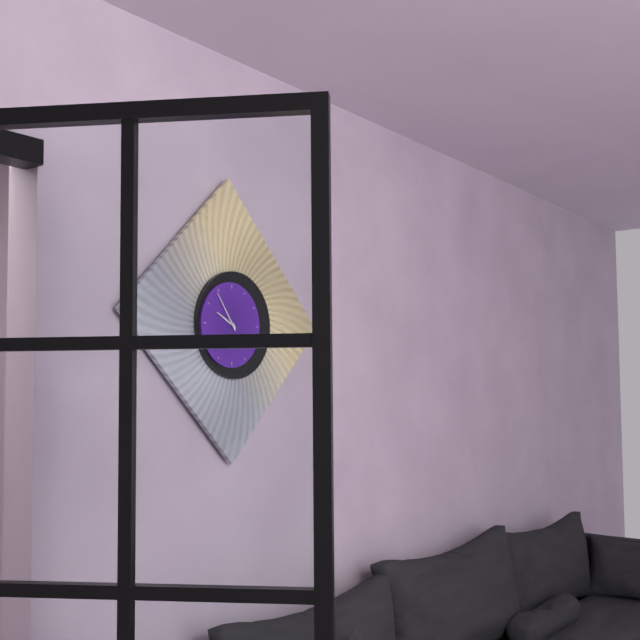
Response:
9.54
